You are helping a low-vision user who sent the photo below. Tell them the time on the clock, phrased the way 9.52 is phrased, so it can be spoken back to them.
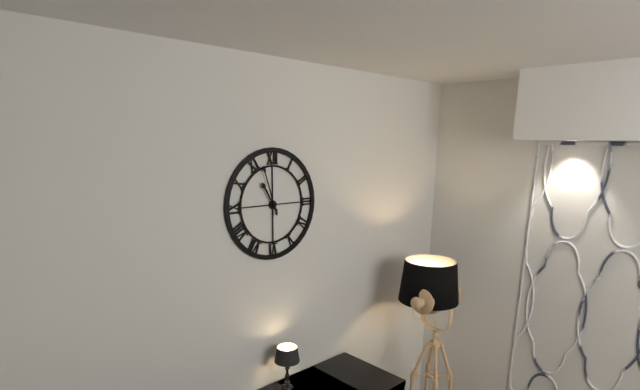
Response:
10.57
